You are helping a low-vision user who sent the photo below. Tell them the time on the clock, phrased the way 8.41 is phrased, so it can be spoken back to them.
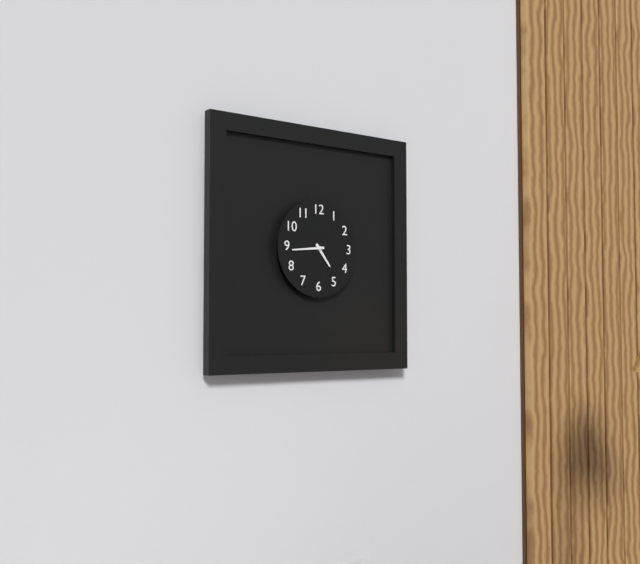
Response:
4.44
